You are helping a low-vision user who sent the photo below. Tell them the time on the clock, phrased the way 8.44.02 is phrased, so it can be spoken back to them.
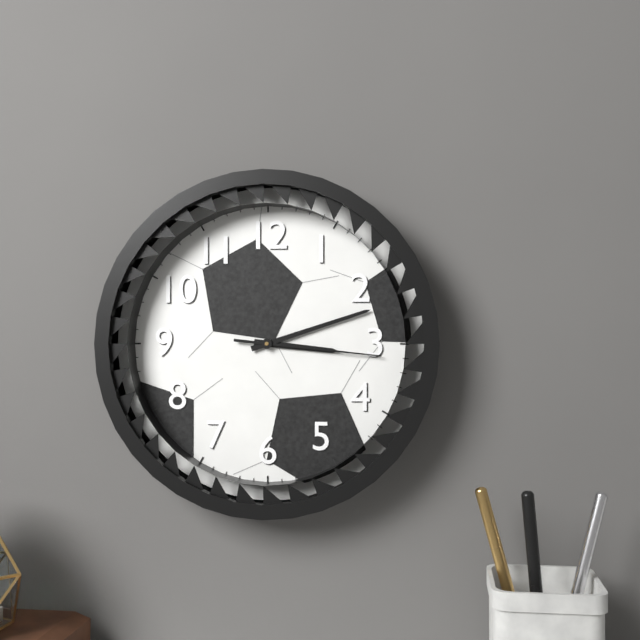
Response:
3.12.16
